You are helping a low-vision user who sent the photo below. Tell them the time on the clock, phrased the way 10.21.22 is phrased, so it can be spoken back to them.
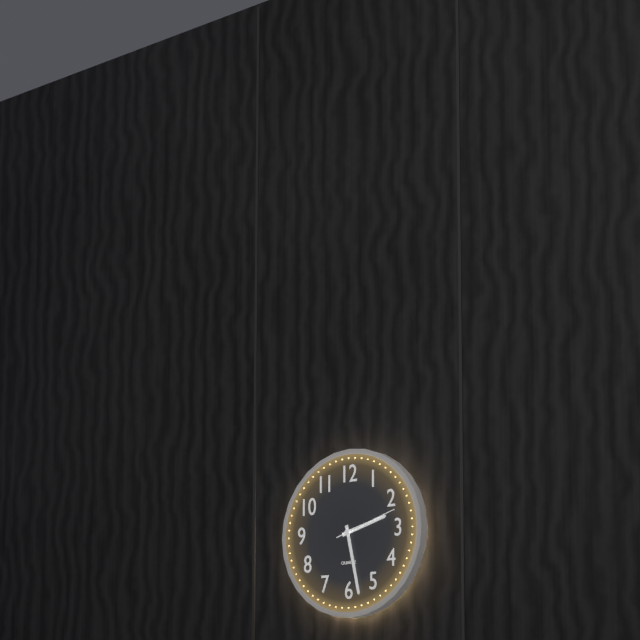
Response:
2.28.12
